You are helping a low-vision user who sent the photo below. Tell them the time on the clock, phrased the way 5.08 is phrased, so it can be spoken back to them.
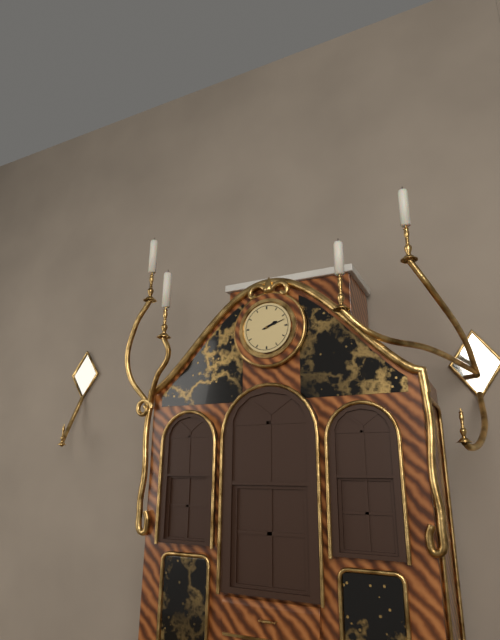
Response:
2.12
